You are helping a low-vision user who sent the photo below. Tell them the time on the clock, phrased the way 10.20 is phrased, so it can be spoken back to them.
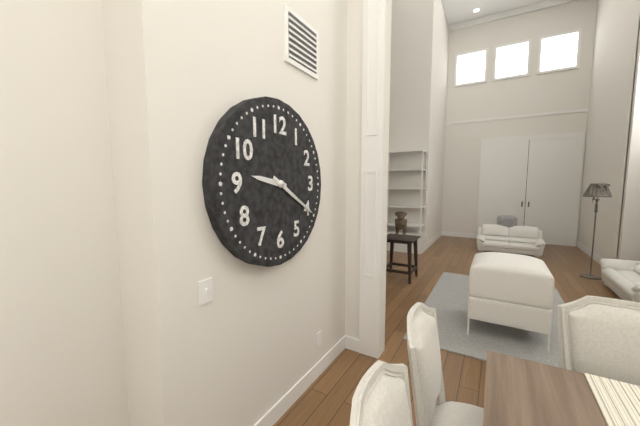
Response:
9.20
